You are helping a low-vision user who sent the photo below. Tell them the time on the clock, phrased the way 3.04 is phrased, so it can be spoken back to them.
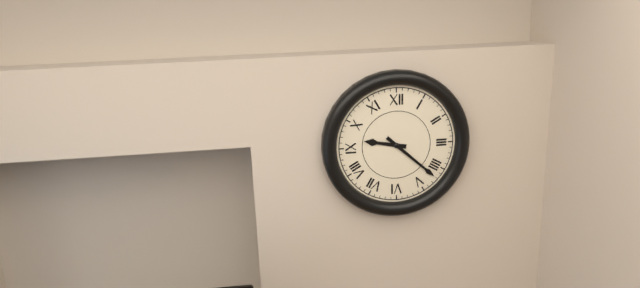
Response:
9.22
